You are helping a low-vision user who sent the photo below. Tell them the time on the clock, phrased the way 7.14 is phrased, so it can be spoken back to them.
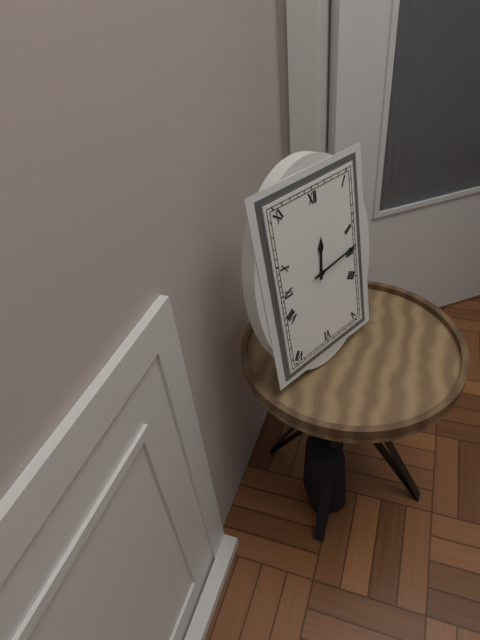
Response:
12.14
